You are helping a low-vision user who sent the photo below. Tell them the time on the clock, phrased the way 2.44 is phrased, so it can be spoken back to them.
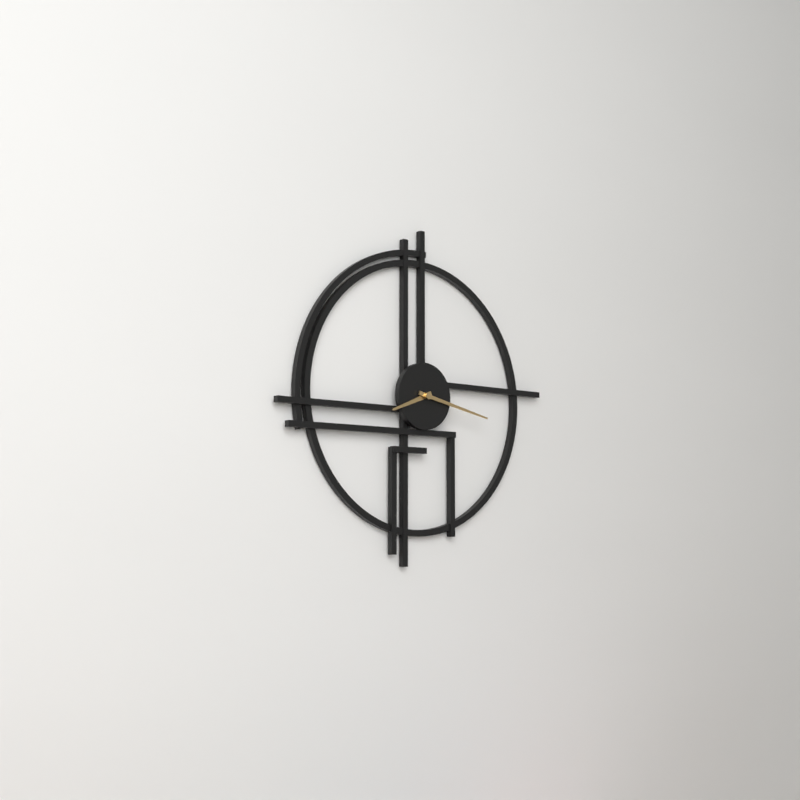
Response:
8.17
